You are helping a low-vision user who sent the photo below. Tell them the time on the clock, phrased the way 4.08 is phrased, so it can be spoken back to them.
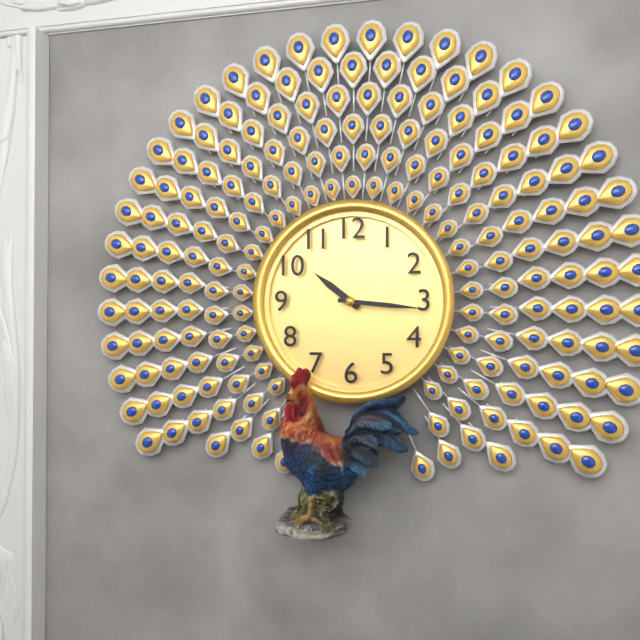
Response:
10.16
